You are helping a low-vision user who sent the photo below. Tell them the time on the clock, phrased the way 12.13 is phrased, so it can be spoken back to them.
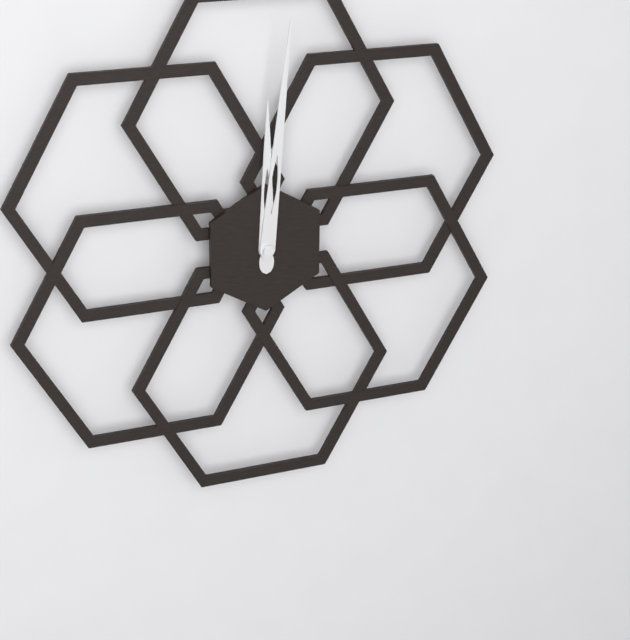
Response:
12.01
